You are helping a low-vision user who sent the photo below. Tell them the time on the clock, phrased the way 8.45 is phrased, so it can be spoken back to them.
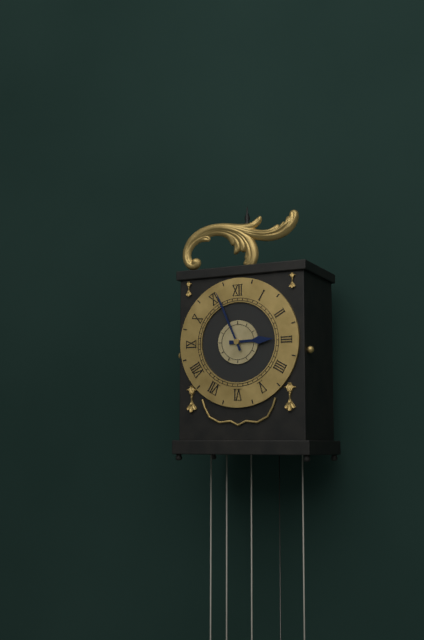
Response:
2.56
